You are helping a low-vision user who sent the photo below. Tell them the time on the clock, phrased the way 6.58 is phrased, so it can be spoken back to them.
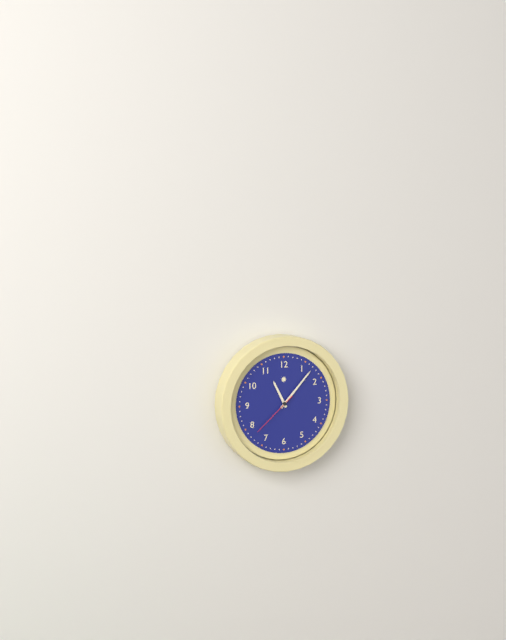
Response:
11.07
